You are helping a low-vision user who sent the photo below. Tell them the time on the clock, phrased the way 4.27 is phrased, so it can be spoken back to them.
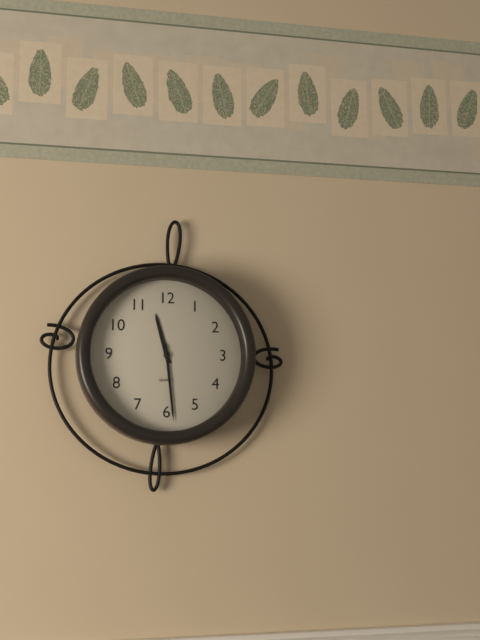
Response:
11.29
